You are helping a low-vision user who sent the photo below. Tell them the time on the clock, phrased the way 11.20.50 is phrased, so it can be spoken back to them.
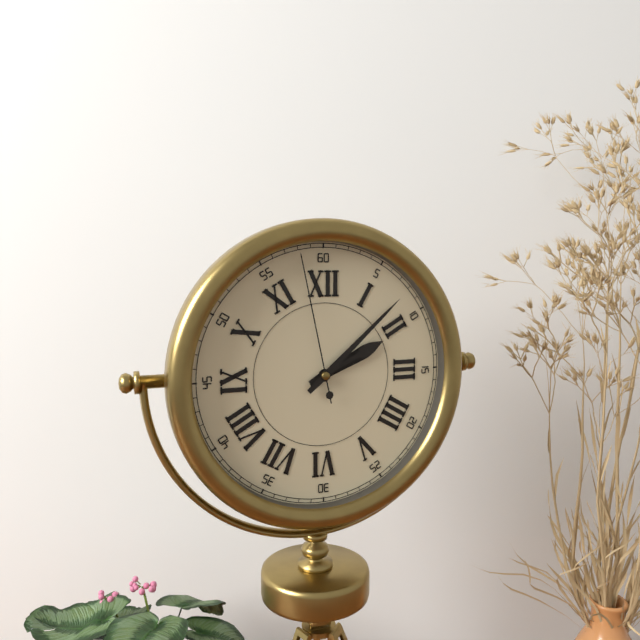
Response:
2.08.58
